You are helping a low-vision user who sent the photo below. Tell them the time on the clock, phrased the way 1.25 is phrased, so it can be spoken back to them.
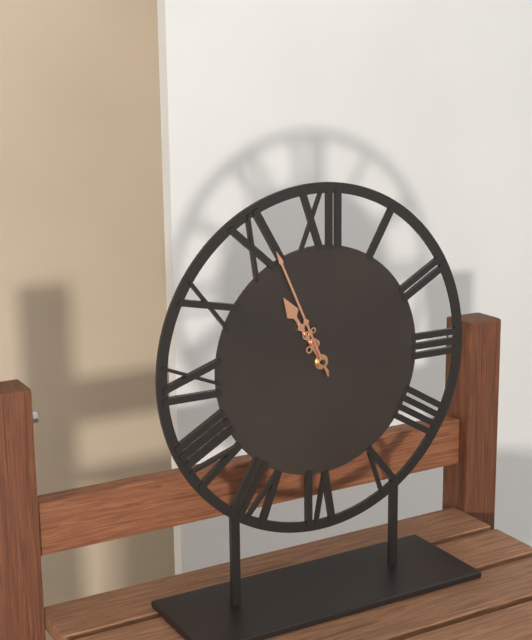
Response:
10.56
